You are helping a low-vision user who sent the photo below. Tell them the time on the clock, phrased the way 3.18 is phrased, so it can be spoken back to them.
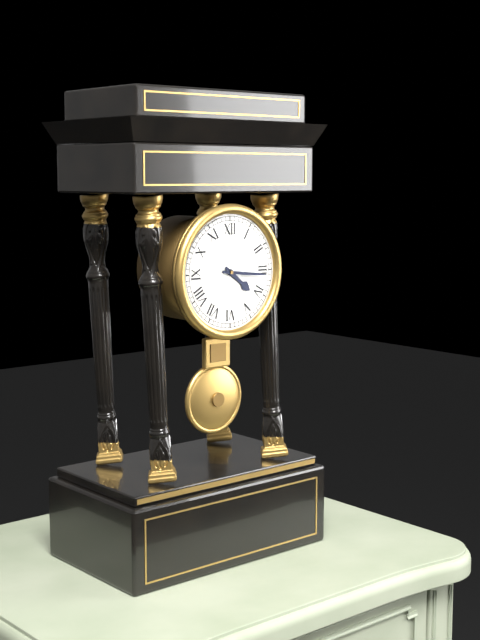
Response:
4.16
